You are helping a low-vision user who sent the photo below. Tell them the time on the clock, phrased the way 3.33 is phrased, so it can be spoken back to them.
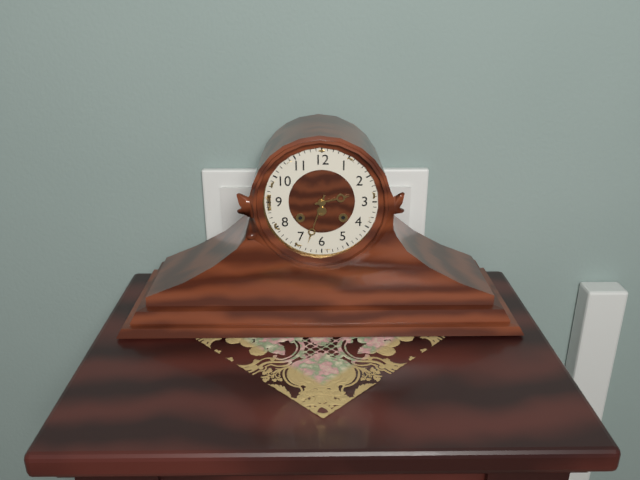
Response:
2.33
